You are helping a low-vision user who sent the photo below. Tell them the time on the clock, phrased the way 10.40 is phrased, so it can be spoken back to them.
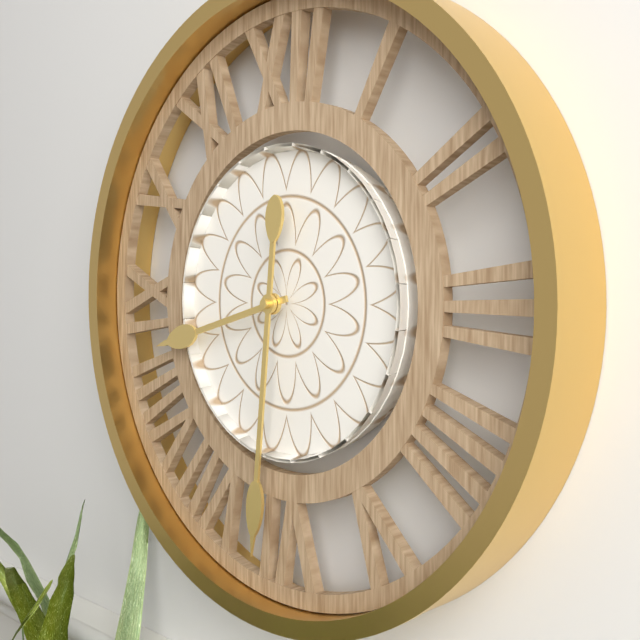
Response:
8.31
